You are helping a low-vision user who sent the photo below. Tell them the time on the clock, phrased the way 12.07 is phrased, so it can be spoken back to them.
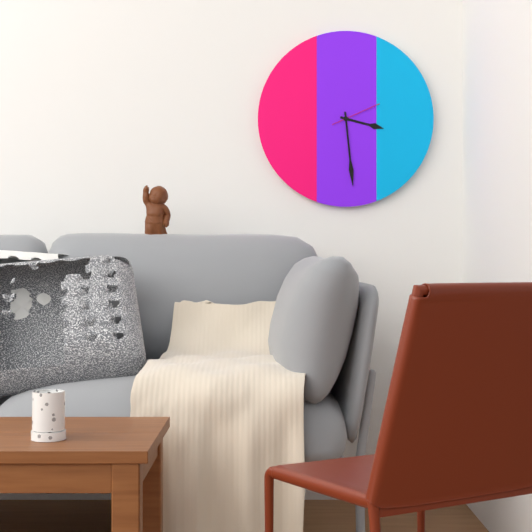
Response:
3.29
